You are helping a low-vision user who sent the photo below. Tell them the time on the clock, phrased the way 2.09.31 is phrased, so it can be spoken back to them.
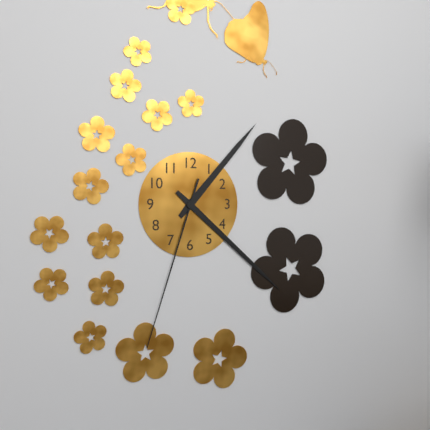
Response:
1.22.33
